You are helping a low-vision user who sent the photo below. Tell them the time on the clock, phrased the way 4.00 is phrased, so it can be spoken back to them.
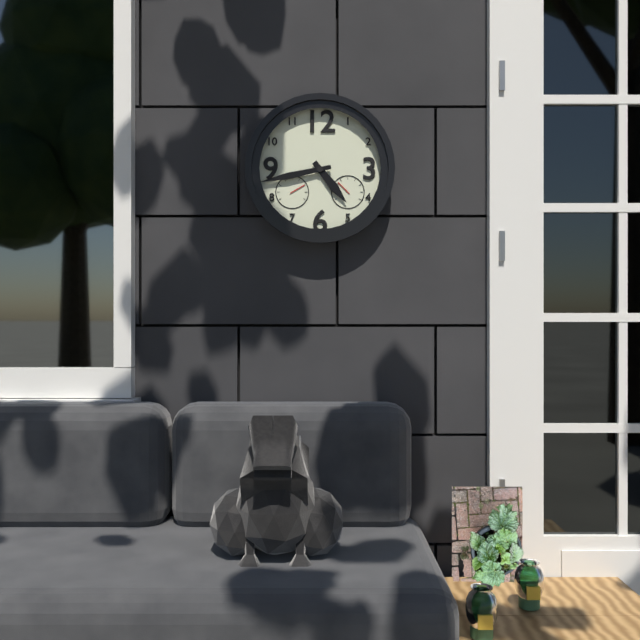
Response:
4.43
